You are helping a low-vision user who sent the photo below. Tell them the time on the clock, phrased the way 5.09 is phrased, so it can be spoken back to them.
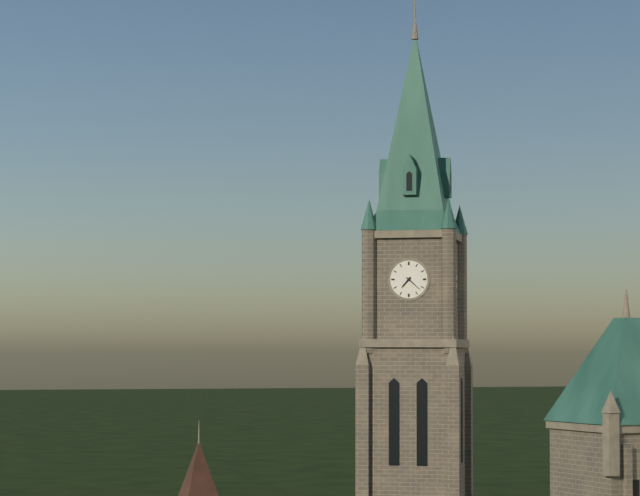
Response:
7.22
